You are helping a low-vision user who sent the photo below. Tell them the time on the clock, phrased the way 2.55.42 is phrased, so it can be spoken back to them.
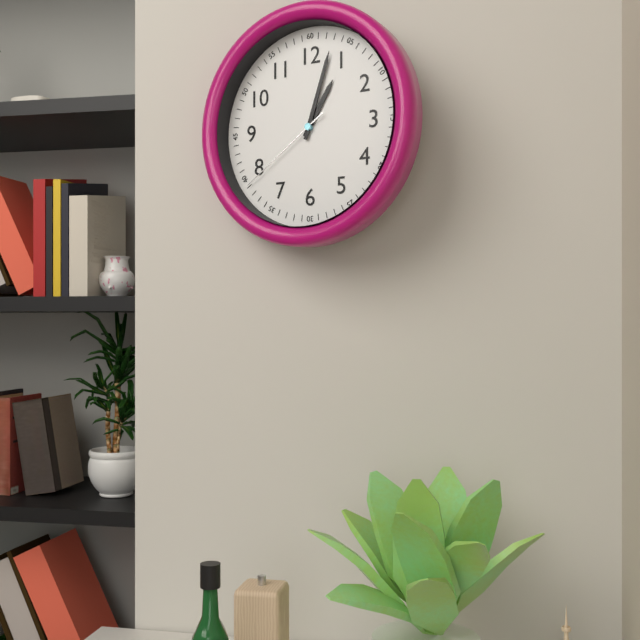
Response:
1.03.39
